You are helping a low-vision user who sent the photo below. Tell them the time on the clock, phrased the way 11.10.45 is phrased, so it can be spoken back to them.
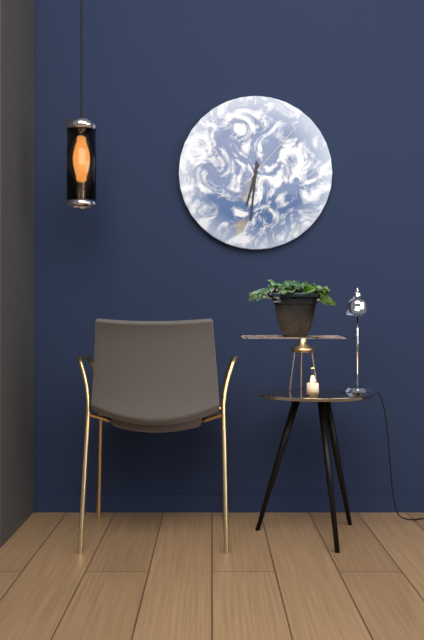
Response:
6.31.07
